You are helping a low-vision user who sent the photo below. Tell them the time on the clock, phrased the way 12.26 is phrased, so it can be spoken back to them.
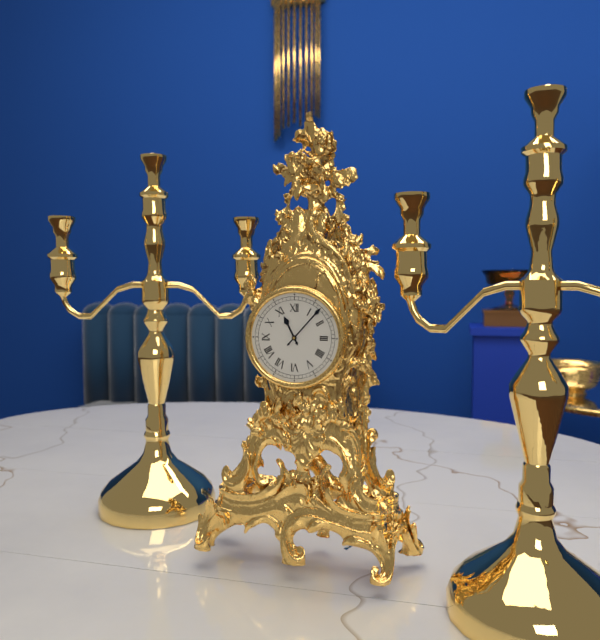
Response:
11.07
